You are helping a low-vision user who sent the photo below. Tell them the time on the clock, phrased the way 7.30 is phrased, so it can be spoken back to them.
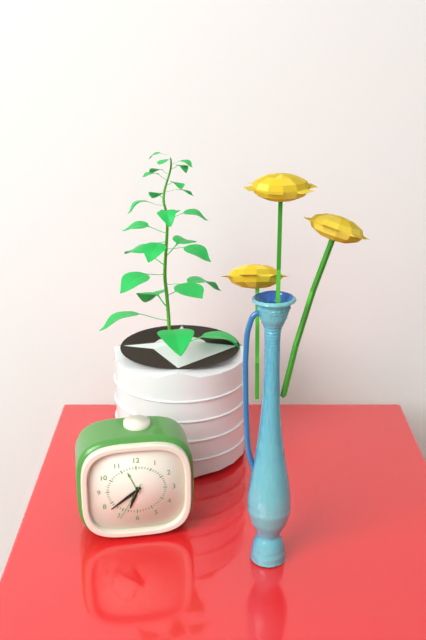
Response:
6.39
